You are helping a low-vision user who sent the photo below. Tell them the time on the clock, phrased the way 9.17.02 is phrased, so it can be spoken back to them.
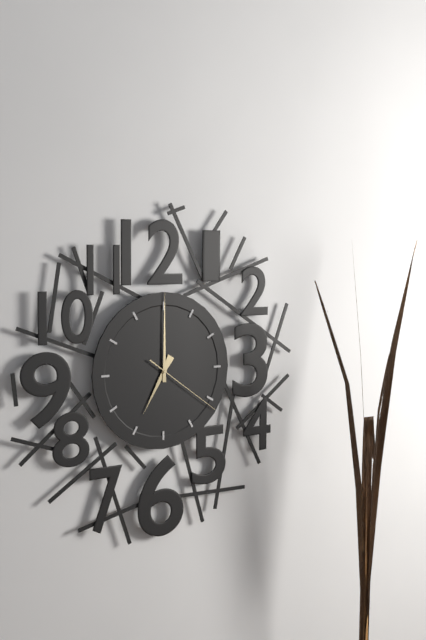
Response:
7.00.21
